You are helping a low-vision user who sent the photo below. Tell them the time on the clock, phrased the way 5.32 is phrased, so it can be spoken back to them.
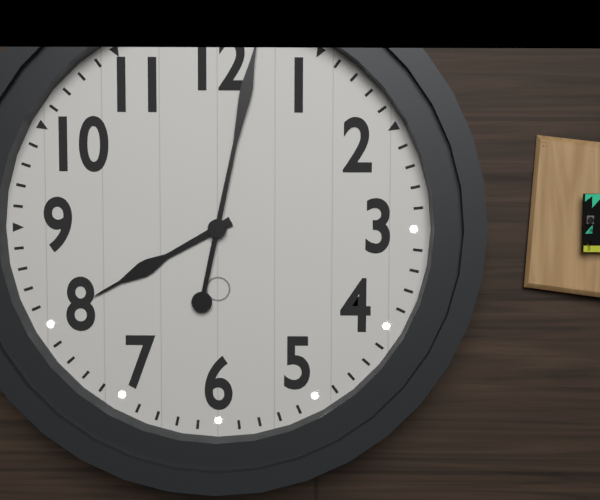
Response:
8.02
